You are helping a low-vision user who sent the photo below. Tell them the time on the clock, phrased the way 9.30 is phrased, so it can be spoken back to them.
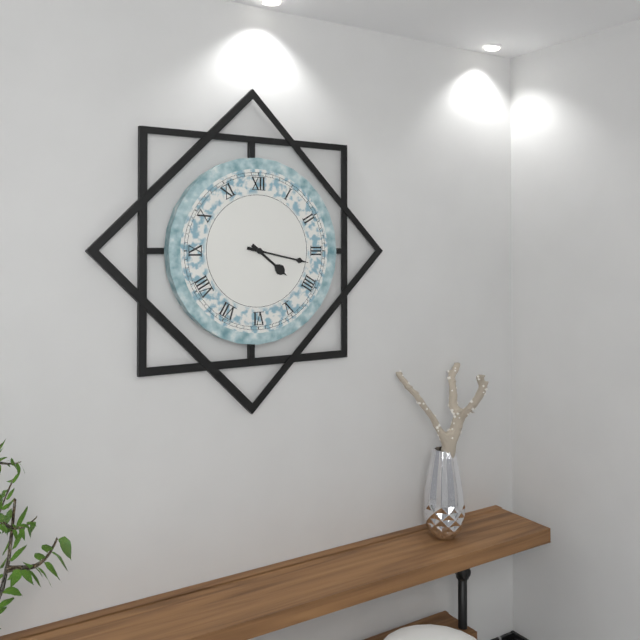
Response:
4.17
